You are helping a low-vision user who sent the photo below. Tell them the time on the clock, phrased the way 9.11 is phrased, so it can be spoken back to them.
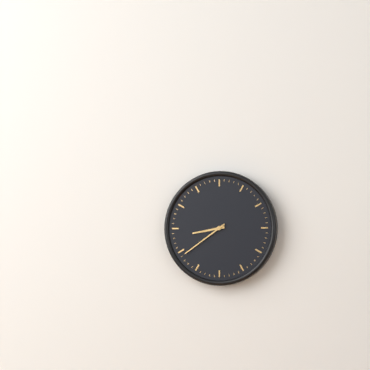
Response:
8.39
